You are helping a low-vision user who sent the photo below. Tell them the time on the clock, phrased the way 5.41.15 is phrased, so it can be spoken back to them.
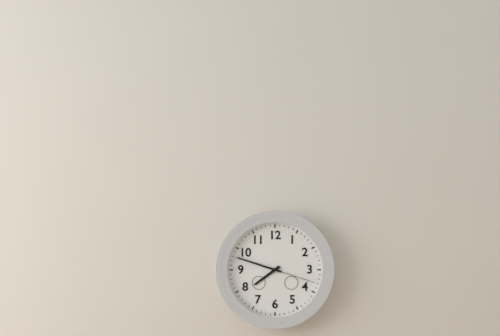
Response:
7.48.18
